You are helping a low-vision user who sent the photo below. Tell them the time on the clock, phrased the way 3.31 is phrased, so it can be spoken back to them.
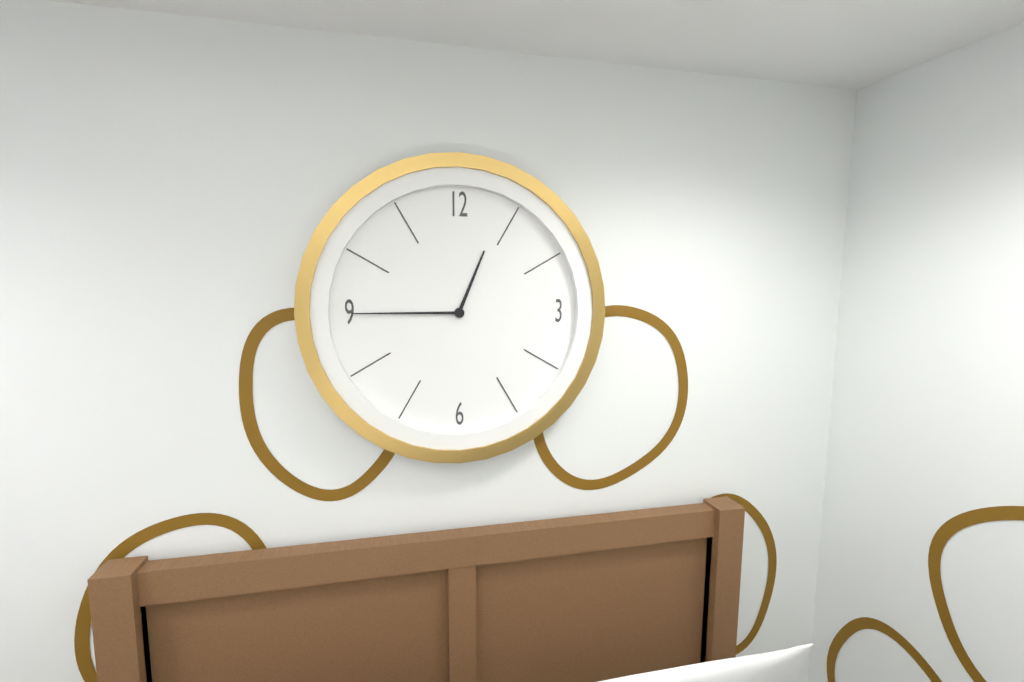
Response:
12.45
